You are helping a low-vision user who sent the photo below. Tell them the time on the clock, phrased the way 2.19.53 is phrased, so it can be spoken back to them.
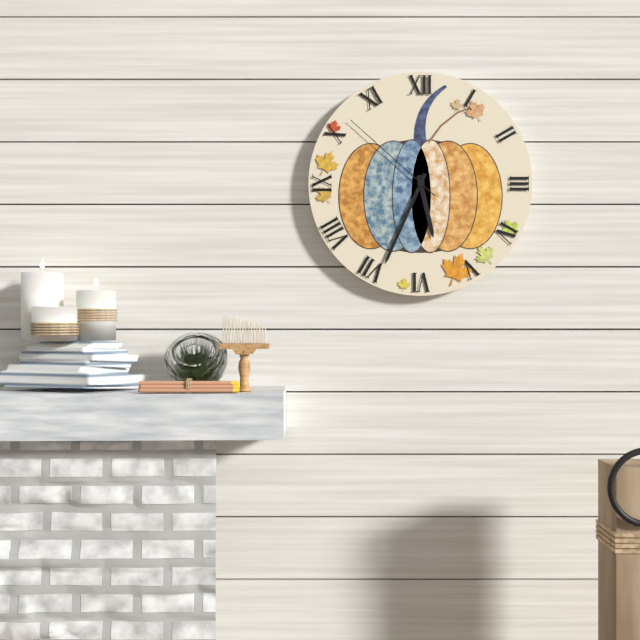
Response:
5.34.52
